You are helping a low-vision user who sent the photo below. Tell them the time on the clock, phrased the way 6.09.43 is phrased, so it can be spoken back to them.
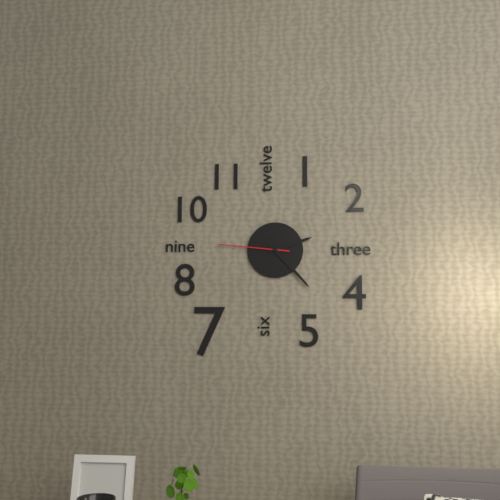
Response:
2.23.46
